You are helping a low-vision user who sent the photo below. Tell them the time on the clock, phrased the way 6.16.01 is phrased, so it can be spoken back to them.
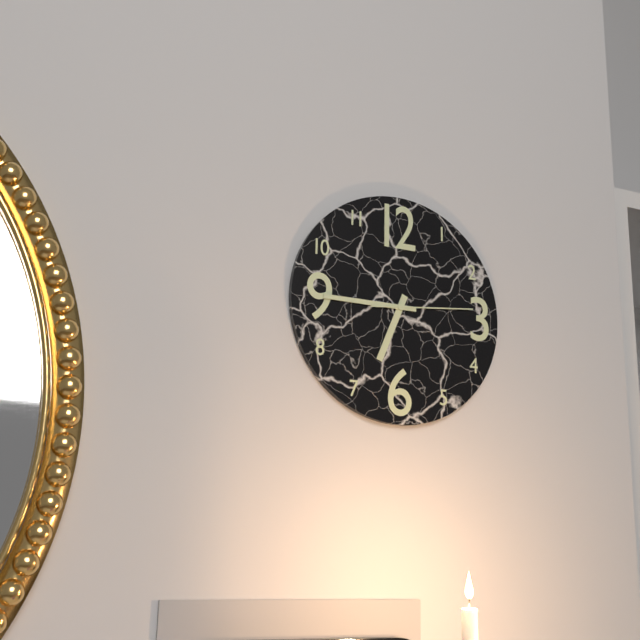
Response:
6.45.14
